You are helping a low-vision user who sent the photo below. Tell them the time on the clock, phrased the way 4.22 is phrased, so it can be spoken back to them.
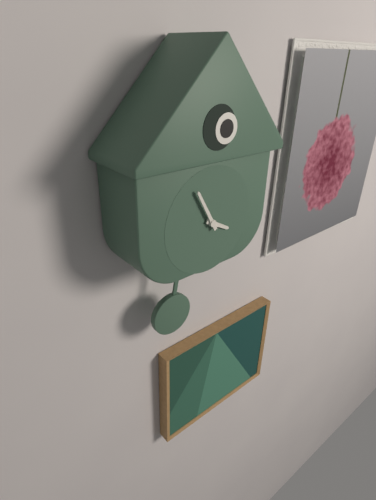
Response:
3.55
